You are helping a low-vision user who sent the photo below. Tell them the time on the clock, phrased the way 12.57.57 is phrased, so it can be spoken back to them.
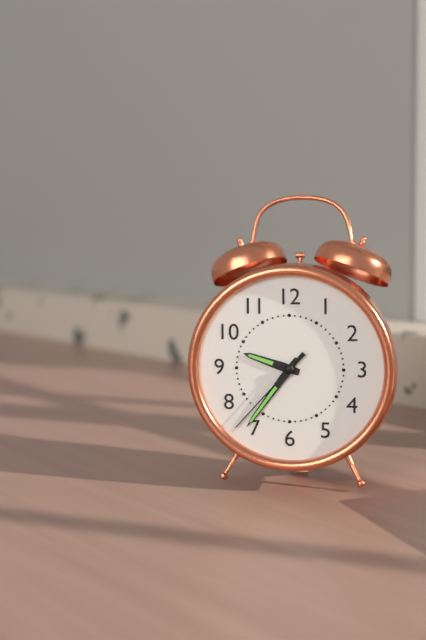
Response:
9.36.37
